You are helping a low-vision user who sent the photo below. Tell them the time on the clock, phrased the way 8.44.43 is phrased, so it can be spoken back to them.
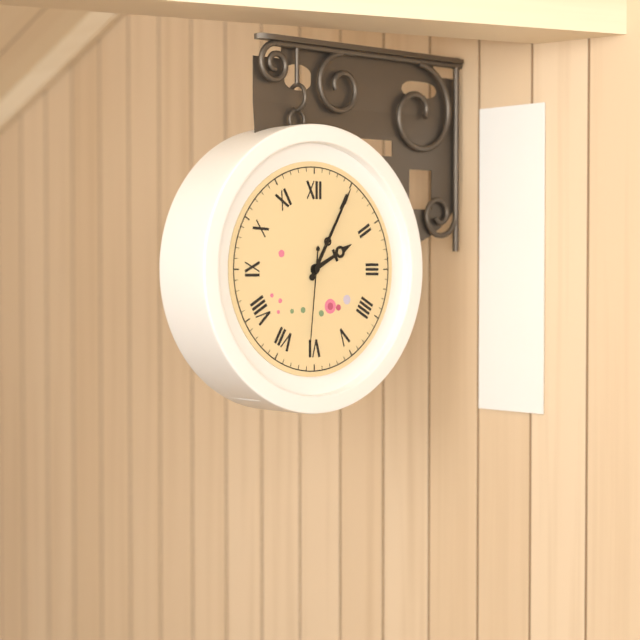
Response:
2.05.31
